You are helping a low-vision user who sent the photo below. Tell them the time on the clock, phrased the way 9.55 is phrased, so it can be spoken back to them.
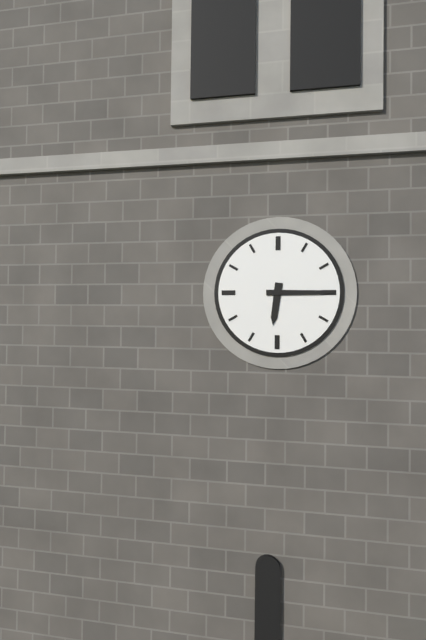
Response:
6.15
